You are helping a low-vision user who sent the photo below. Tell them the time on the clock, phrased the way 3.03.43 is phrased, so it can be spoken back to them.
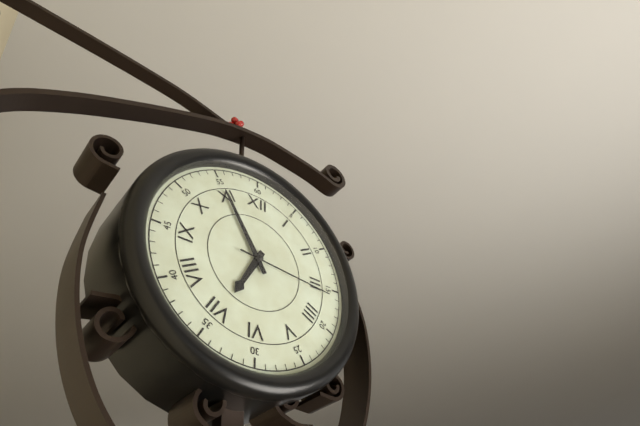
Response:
6.55.16
